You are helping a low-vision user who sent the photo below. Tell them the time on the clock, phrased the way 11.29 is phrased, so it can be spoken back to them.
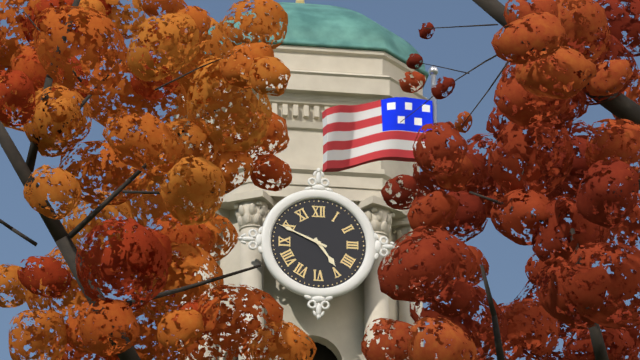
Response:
4.49
